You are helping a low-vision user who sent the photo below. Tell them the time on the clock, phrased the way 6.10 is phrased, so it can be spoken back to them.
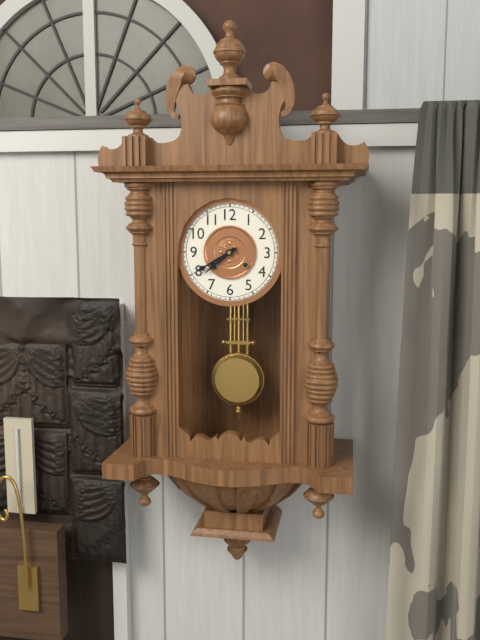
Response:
7.40
